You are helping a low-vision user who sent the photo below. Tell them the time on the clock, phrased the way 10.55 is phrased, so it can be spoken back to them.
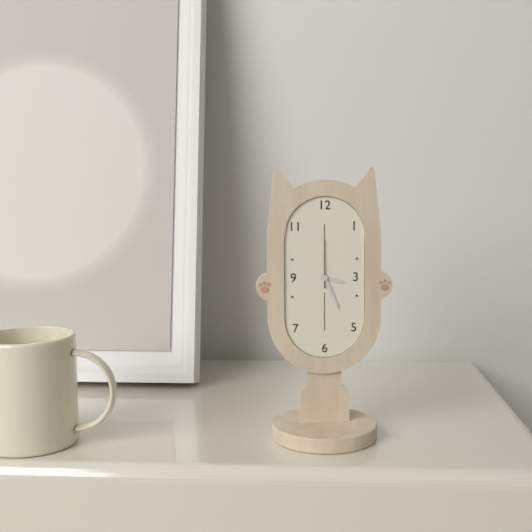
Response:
3.26
